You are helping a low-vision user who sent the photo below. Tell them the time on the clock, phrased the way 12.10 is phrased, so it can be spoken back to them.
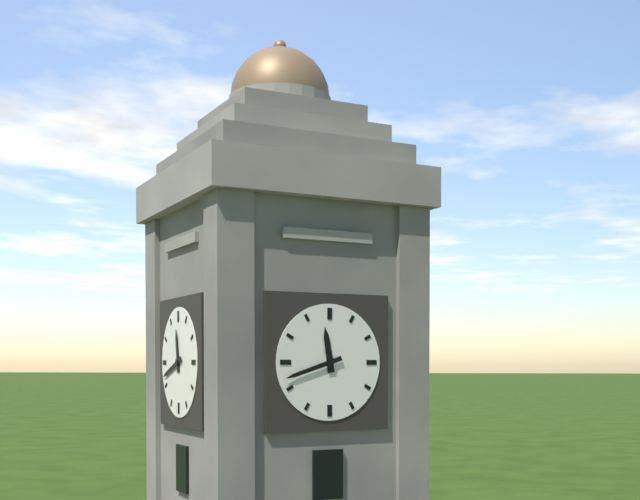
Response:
11.42
